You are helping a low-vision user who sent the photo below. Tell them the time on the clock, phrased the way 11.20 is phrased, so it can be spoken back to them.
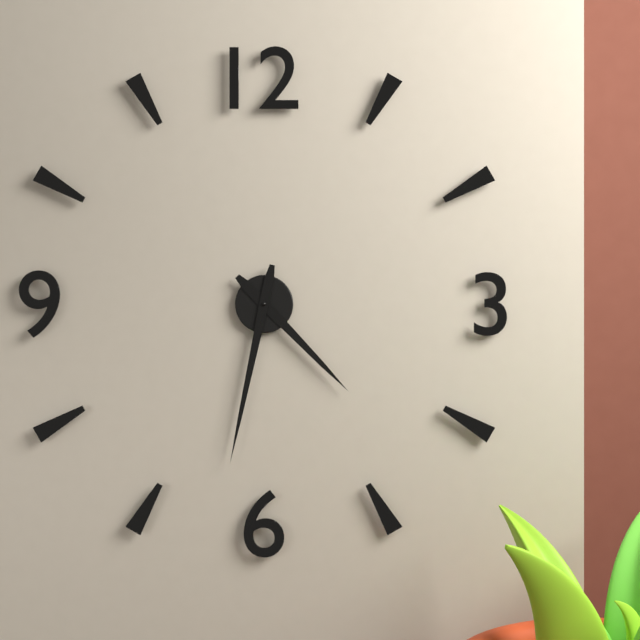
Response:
4.32
